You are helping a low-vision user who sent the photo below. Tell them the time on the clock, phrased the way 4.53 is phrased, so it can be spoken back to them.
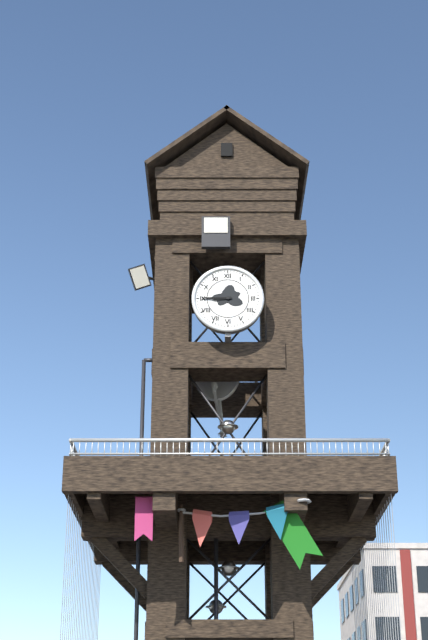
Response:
8.45
